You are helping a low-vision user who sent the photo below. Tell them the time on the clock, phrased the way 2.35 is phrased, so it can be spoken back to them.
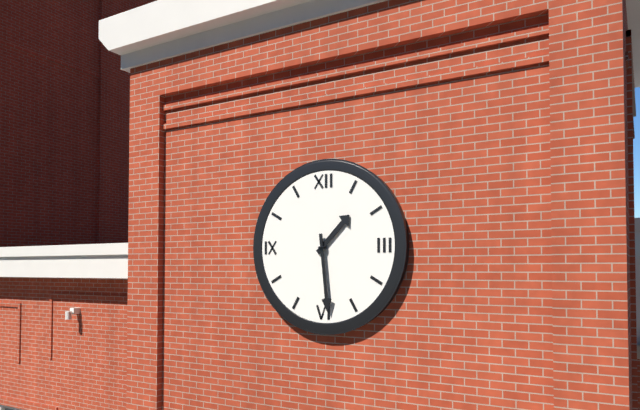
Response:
1.29
